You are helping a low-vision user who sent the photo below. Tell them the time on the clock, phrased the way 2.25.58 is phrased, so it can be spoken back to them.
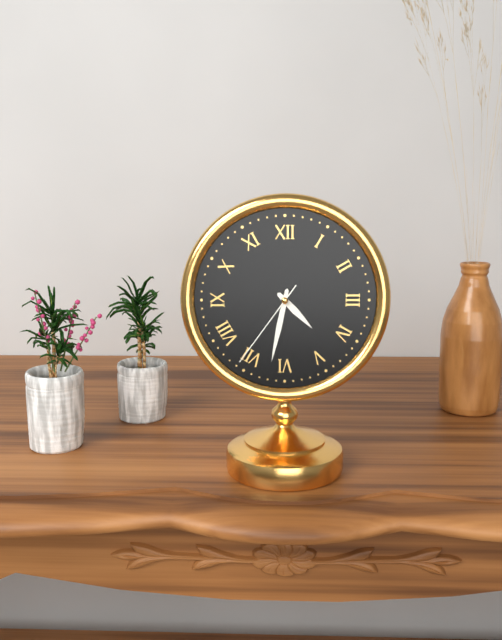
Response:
4.32.36
